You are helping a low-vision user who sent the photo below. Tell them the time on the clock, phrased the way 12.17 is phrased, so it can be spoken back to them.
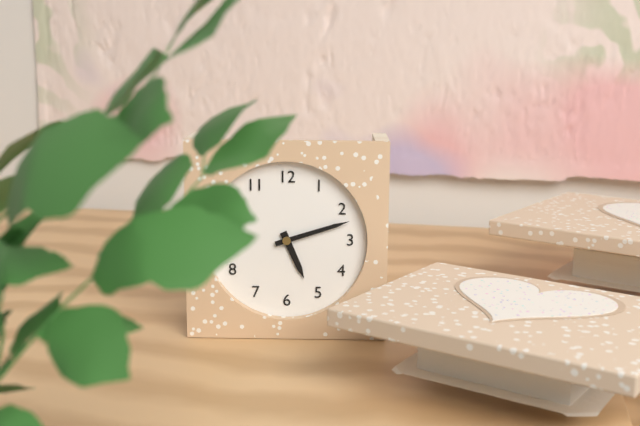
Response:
5.12
